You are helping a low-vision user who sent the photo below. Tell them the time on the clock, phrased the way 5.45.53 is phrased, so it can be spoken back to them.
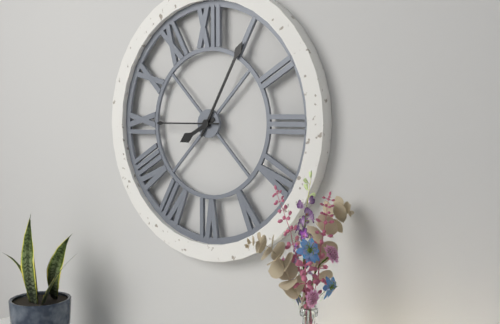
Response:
8.05.45
